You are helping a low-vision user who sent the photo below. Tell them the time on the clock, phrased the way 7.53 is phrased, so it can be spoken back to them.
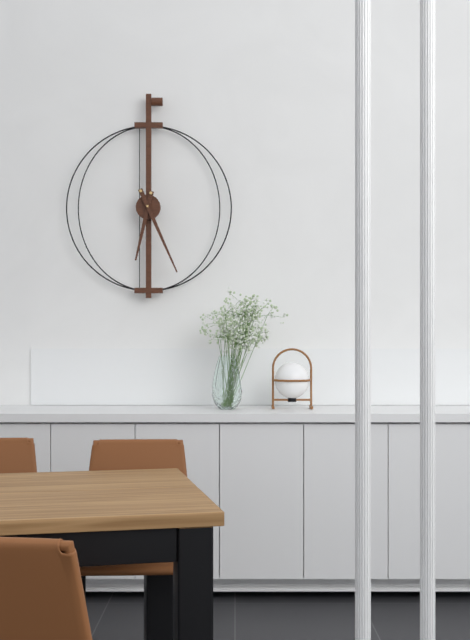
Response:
6.26
